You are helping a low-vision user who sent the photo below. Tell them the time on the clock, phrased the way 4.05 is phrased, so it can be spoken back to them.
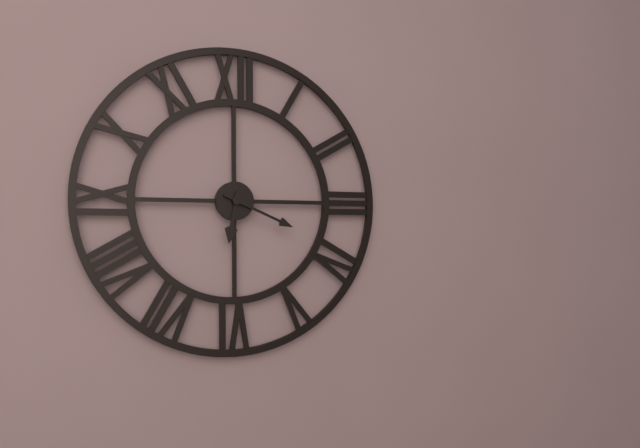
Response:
6.19
